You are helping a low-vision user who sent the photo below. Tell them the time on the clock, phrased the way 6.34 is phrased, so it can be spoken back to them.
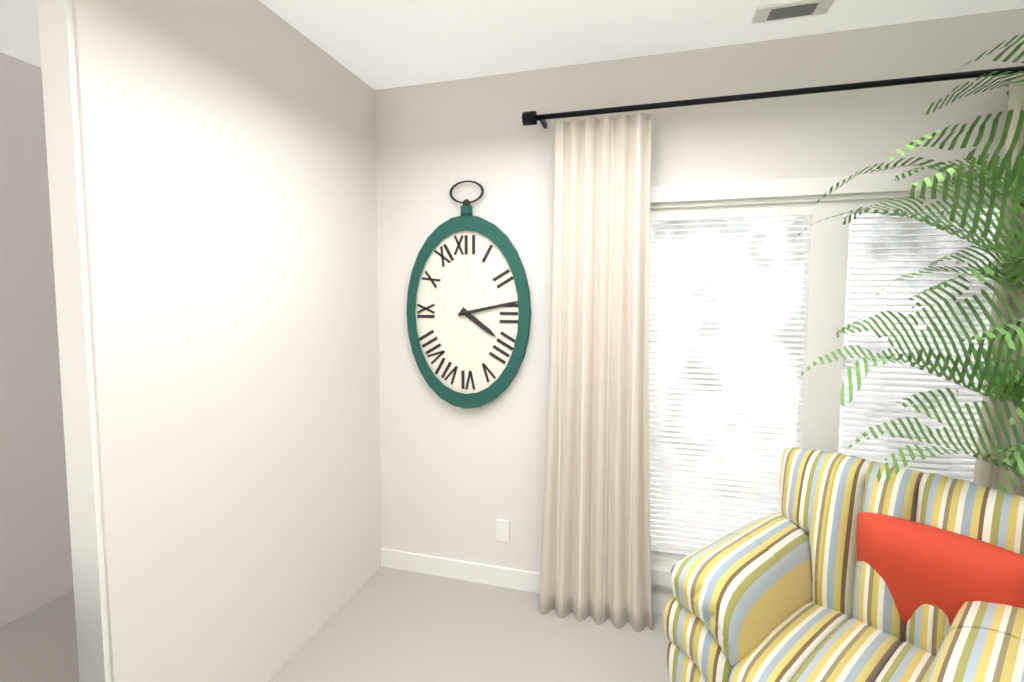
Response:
4.13
